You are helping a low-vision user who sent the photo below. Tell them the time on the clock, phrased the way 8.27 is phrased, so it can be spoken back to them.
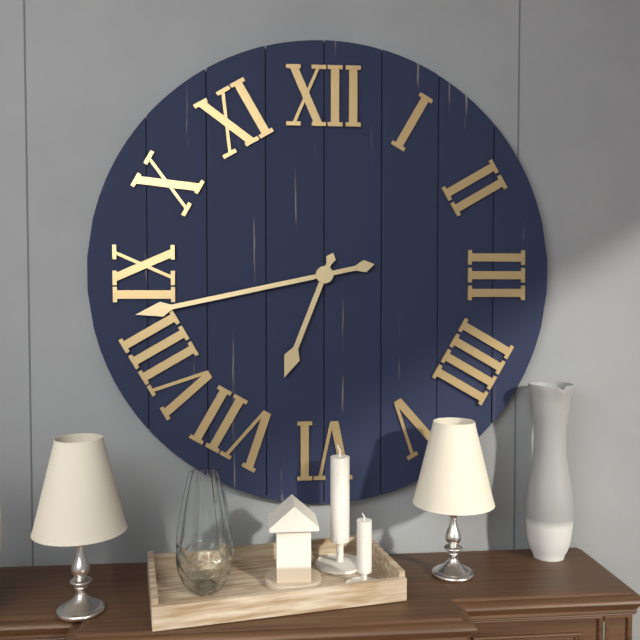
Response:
6.43
